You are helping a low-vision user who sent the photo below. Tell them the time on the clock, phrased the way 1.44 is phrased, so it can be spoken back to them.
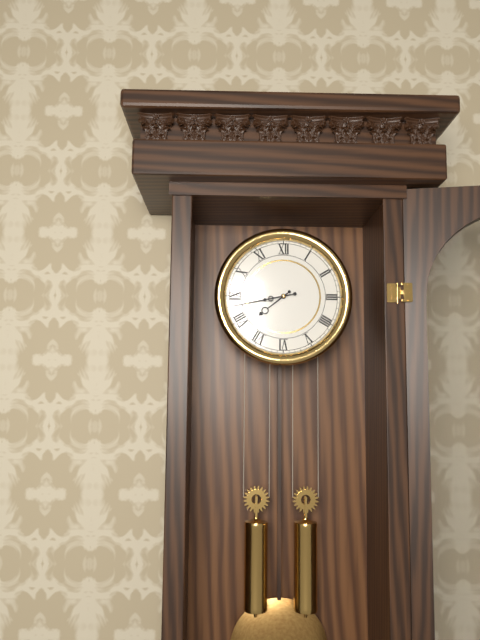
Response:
7.43
